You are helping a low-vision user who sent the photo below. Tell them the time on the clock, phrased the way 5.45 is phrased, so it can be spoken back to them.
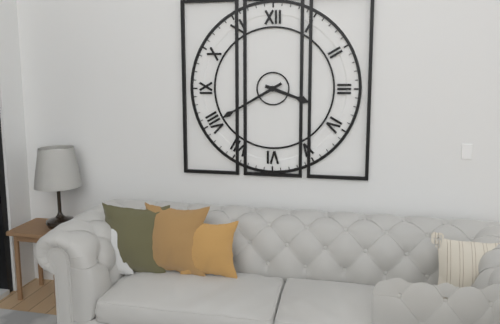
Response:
3.40
